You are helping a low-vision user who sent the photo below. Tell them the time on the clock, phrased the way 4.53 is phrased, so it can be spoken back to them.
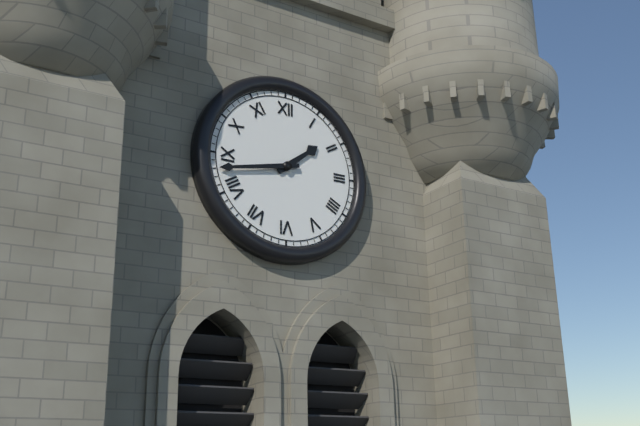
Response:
1.43
